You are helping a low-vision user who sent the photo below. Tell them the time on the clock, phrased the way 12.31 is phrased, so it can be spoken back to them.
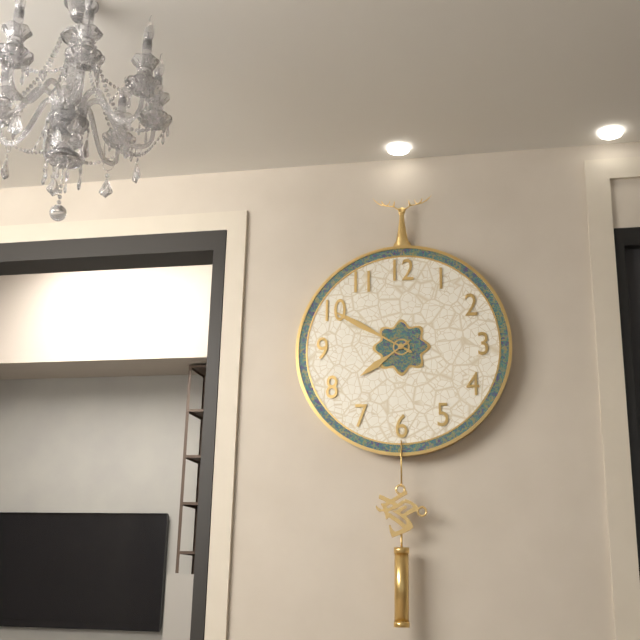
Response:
7.50
